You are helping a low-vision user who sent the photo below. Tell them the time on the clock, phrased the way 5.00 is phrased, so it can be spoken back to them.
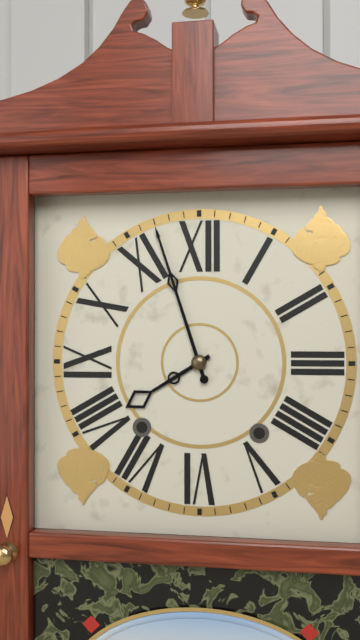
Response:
7.57
